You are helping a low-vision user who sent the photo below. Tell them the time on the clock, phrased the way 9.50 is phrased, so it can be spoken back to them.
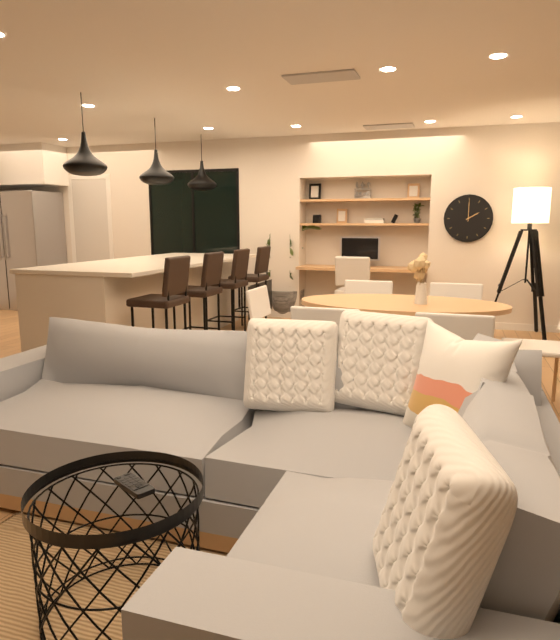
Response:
2.00
